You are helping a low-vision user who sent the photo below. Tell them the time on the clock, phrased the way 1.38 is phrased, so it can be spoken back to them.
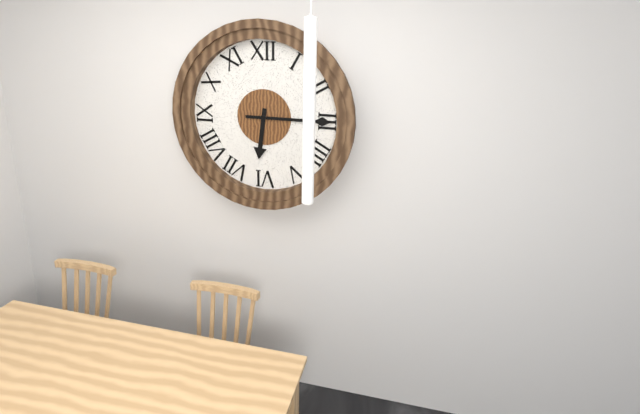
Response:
6.15
